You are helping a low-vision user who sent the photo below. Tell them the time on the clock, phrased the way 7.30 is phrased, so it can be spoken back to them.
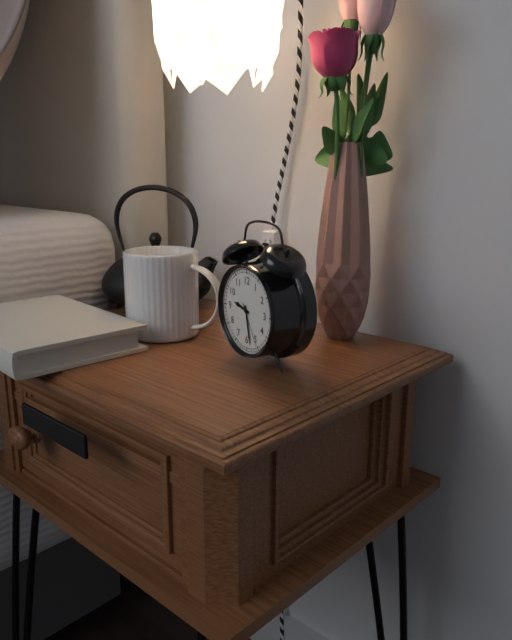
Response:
9.28
